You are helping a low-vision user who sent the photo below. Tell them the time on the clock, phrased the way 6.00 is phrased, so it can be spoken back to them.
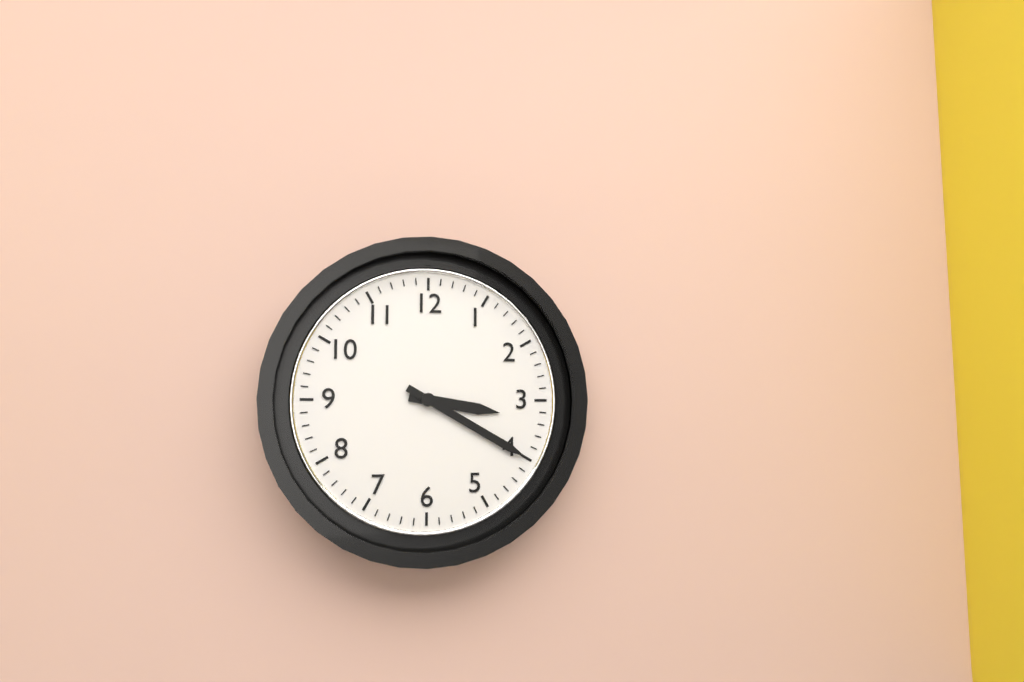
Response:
3.20
